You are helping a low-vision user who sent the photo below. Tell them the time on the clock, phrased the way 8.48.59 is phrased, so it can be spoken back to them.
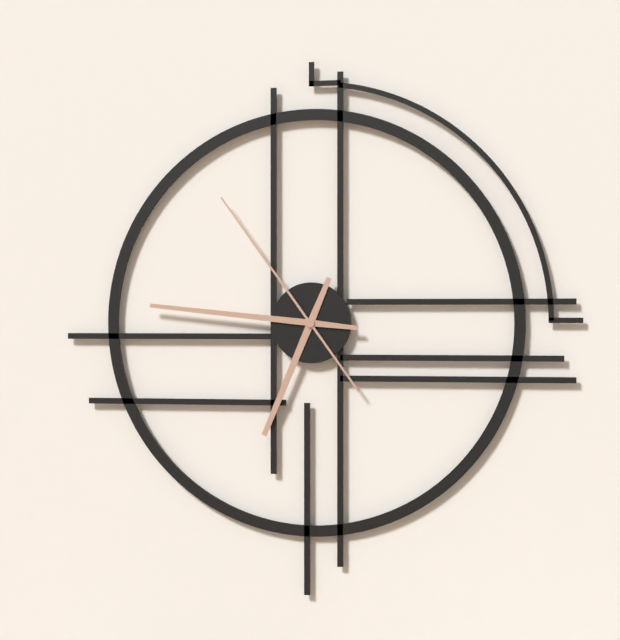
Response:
6.46.54
